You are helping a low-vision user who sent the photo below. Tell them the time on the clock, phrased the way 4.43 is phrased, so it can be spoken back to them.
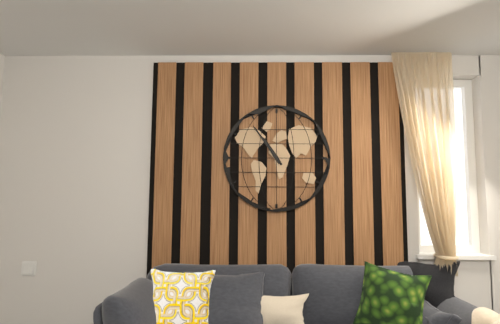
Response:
10.54
